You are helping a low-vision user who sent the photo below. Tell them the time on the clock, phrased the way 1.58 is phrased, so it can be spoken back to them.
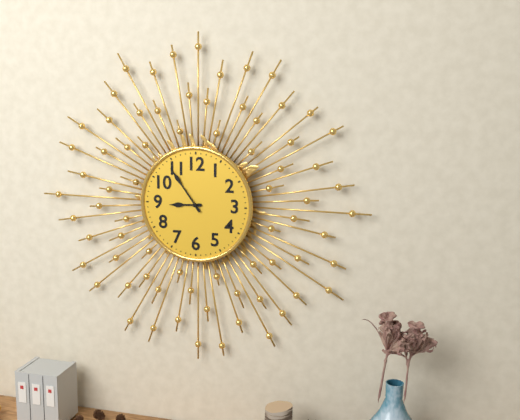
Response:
8.54
